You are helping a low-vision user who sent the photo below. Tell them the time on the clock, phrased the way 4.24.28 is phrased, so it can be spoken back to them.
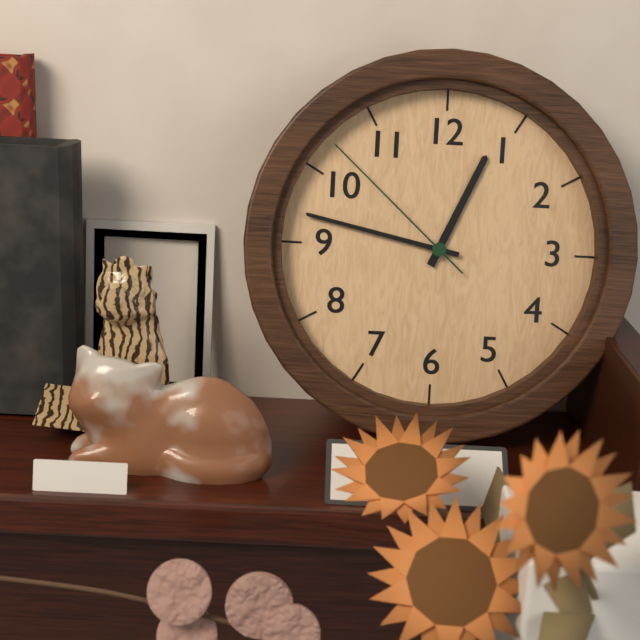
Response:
12.47.52
